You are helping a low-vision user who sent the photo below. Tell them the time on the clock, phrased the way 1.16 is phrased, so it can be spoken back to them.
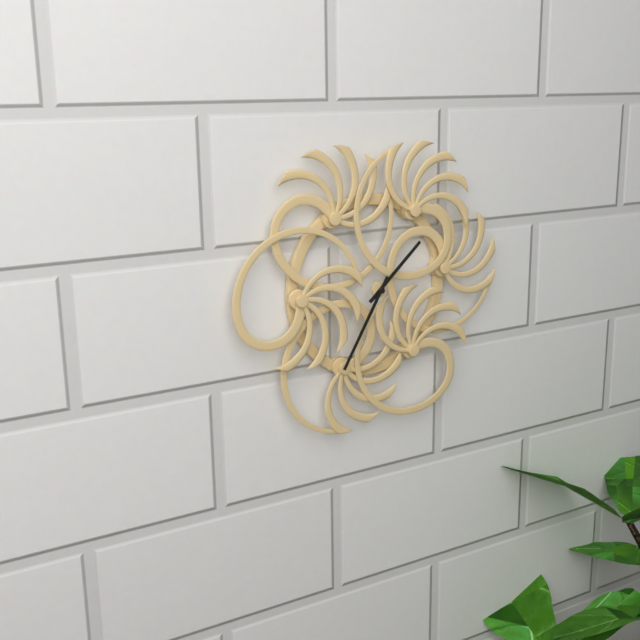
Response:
1.35
